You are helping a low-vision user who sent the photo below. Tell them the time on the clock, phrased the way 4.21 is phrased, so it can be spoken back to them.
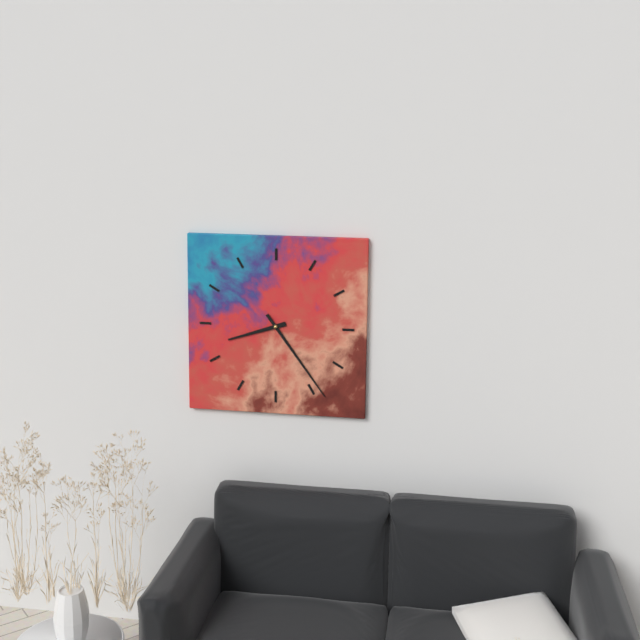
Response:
8.24
